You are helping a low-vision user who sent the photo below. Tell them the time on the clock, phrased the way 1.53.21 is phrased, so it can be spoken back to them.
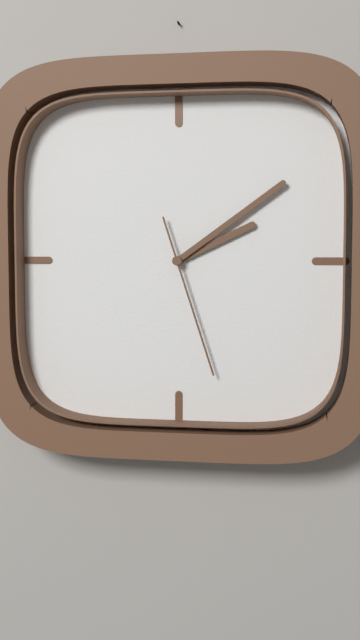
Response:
2.09.27
